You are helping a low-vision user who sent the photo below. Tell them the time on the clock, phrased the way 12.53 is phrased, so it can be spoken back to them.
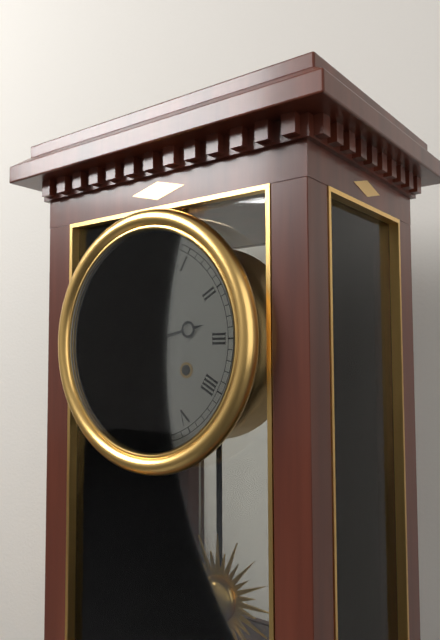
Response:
2.38
